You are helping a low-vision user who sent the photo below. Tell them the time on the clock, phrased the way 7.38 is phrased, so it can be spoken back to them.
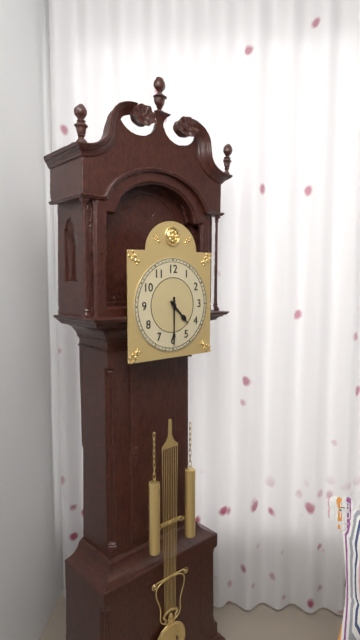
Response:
4.30
